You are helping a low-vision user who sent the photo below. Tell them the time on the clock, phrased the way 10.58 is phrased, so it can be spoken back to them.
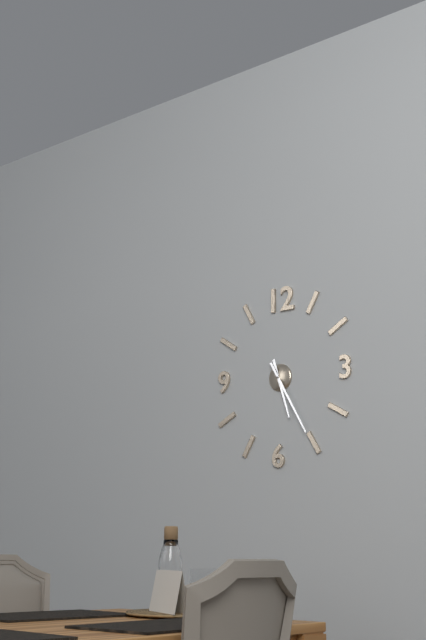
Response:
5.25
